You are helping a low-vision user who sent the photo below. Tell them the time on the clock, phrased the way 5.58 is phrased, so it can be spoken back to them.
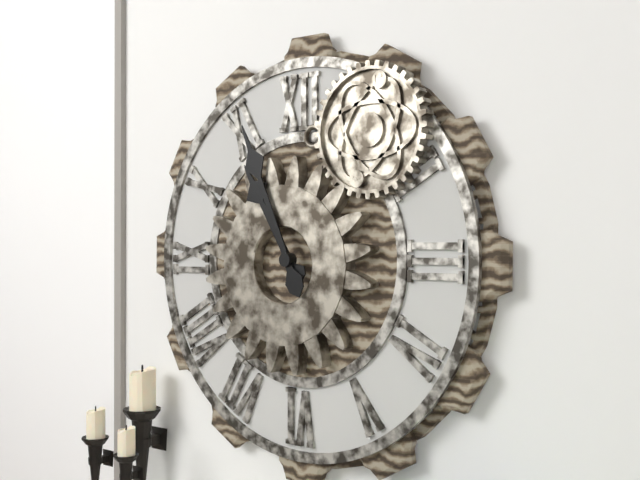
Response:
10.56
